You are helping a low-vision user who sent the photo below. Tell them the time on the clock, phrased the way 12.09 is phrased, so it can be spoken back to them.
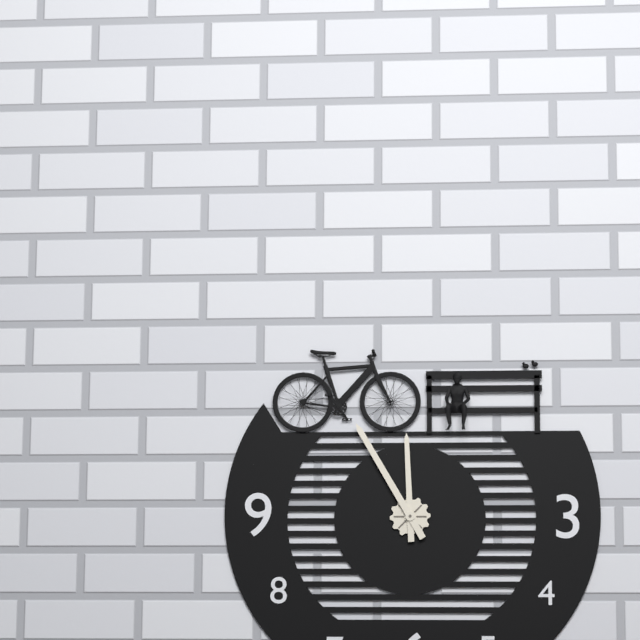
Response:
11.55
